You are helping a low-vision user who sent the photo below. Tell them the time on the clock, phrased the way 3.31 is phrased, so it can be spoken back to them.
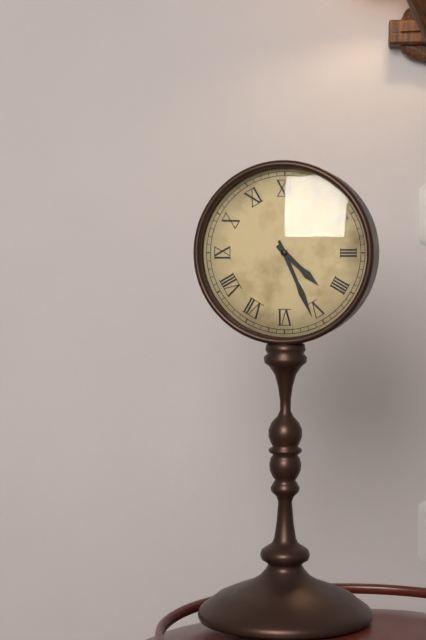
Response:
4.26
